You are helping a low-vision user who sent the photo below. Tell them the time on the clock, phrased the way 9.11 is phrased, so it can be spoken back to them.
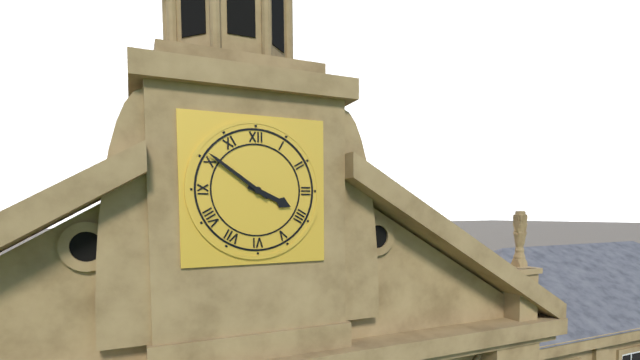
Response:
3.51
